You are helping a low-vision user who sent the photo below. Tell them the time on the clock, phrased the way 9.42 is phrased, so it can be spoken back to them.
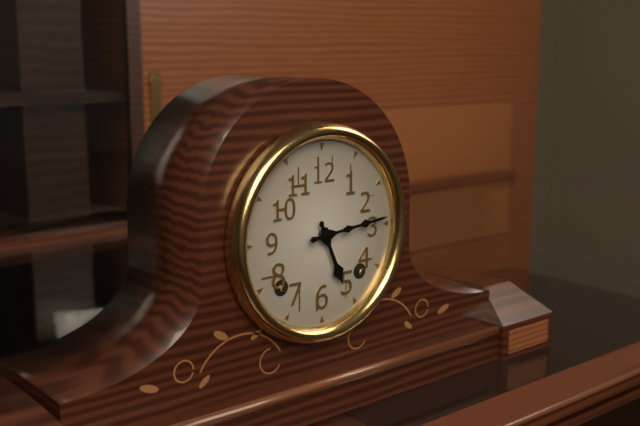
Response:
5.14
